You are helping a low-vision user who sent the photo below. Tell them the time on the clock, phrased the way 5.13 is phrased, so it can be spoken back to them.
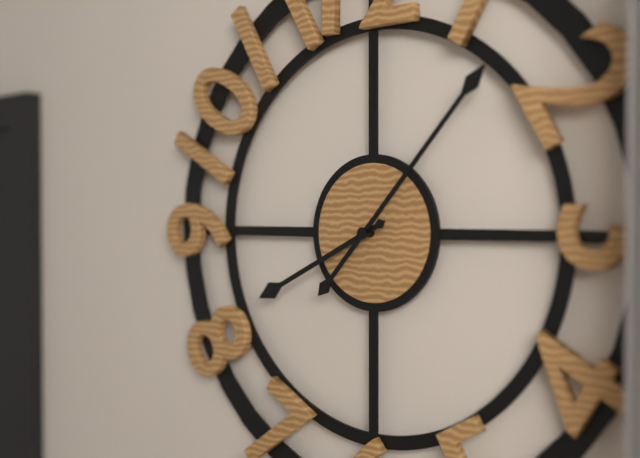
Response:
8.07
